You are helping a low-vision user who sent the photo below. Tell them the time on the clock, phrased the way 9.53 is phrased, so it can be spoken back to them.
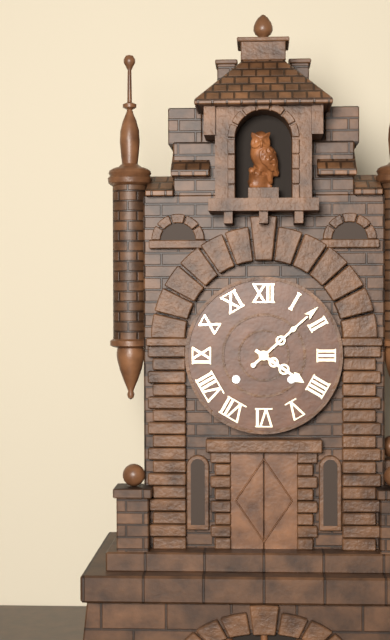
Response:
4.08
